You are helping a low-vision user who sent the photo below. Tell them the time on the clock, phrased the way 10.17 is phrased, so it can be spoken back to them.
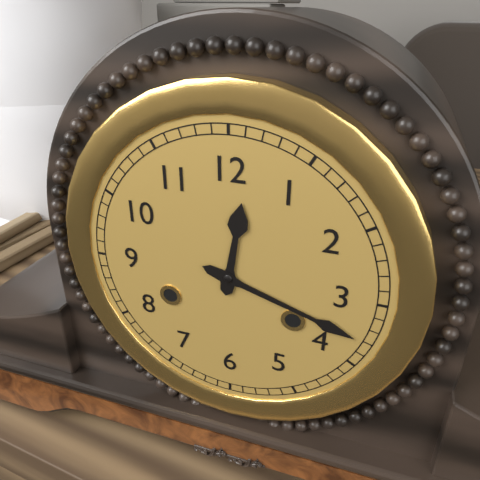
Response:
12.18
